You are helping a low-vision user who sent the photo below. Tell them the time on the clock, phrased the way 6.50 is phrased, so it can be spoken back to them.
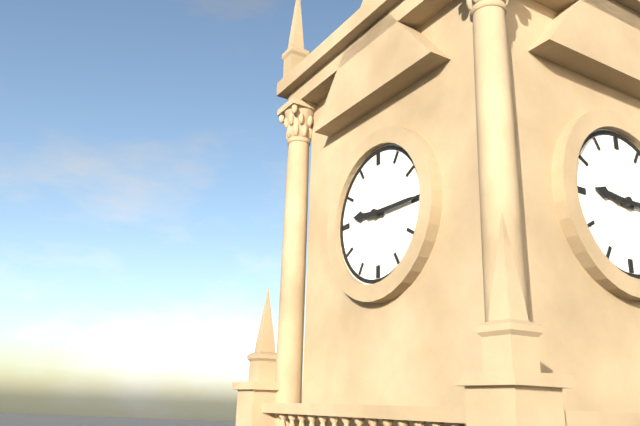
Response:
9.15
